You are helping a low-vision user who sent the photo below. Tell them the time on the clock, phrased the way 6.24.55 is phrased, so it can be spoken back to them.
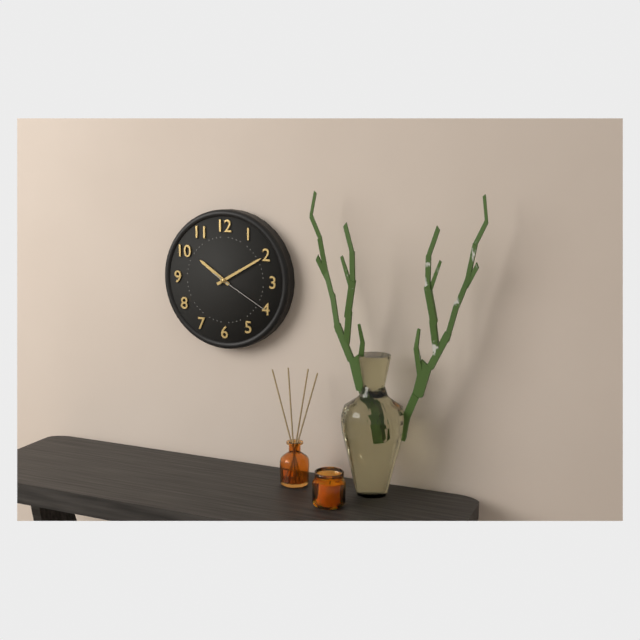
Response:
10.10.20
